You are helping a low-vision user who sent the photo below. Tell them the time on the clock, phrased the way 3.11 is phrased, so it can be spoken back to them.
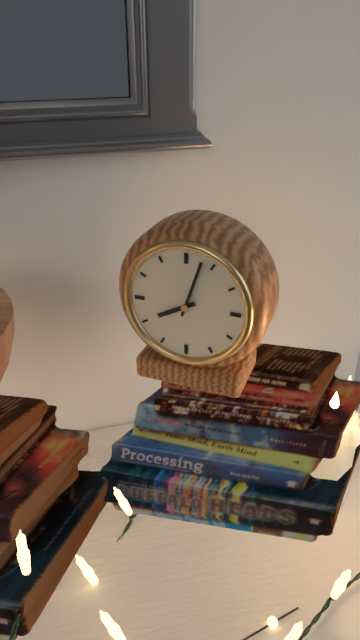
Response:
8.03
